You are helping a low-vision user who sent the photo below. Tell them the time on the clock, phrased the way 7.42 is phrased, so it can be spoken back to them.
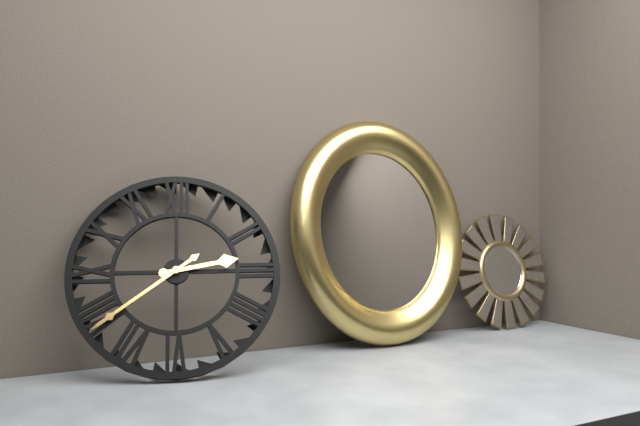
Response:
2.39
